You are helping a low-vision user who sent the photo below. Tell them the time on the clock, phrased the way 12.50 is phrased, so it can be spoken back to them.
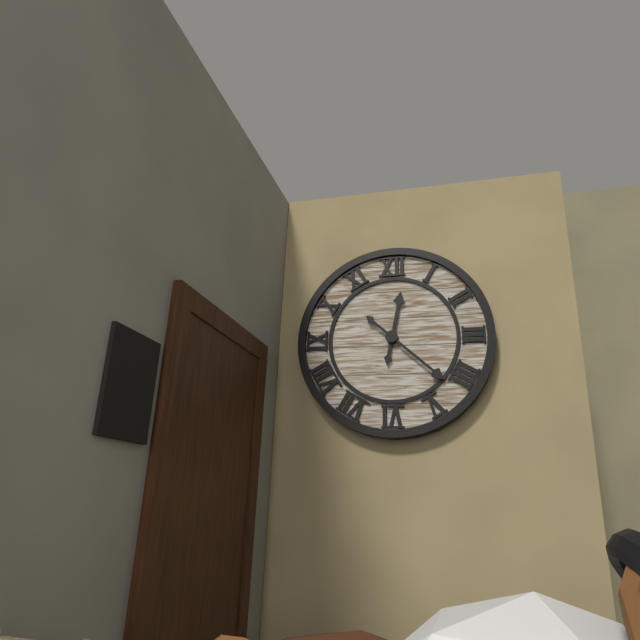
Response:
12.22
